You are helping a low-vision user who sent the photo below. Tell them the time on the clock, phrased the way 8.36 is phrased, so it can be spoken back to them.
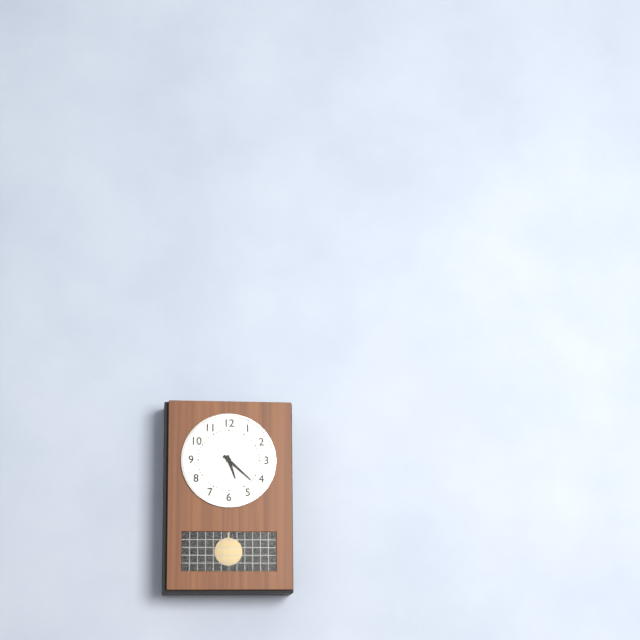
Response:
5.22
